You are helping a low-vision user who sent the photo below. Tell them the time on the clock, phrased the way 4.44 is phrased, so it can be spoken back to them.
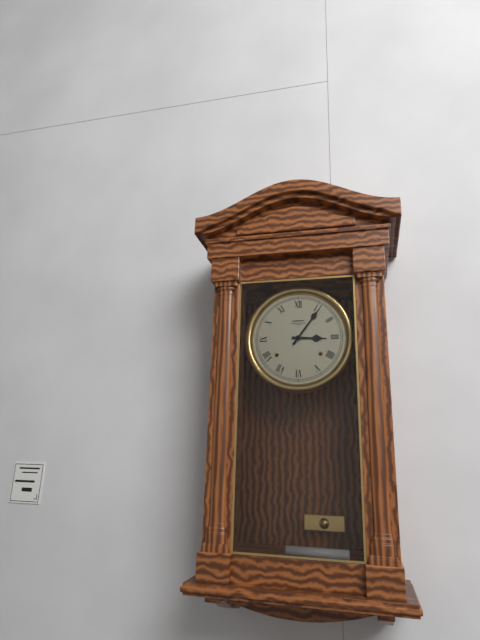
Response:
3.06
